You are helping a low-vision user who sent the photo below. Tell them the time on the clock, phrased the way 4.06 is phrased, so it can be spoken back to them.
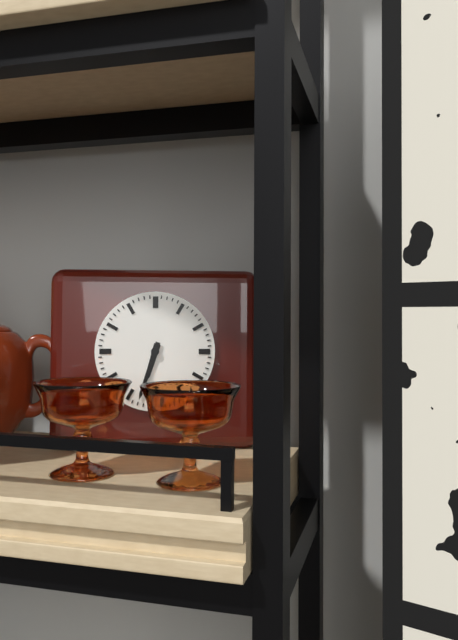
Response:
6.33
